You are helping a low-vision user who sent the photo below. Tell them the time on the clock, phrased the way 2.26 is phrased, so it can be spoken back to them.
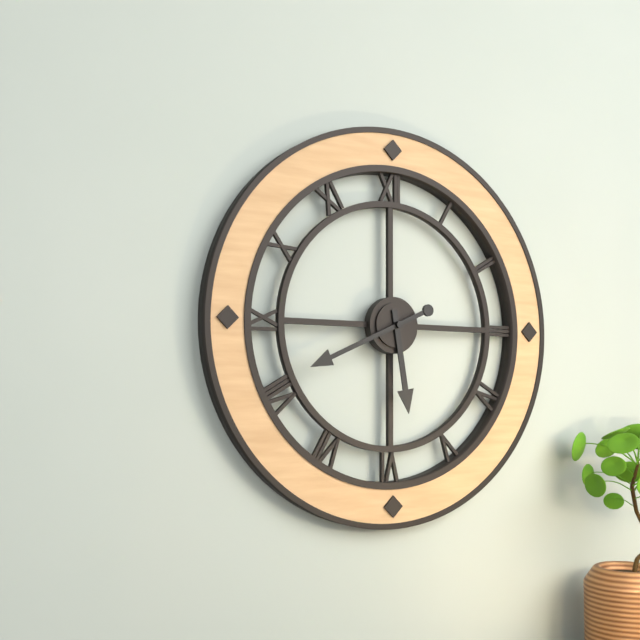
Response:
5.41
